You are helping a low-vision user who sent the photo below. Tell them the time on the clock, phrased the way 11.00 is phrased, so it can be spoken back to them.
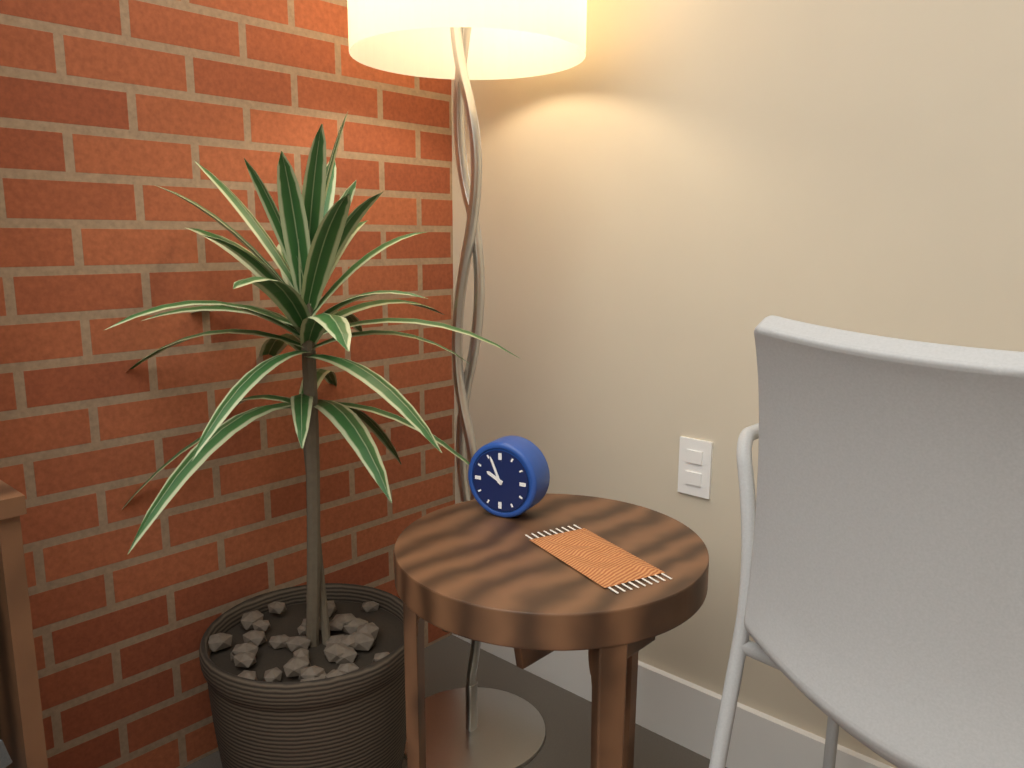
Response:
9.56
